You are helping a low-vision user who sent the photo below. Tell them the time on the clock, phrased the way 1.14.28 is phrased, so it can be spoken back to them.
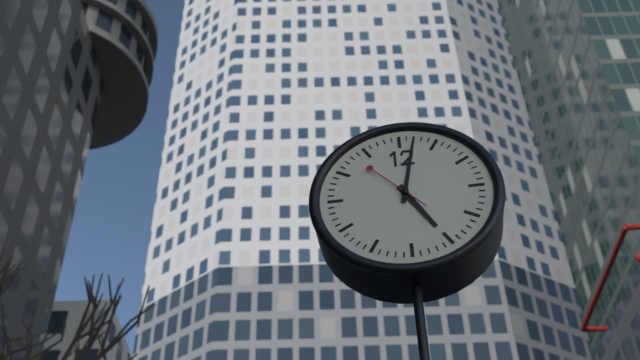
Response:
5.02.53
